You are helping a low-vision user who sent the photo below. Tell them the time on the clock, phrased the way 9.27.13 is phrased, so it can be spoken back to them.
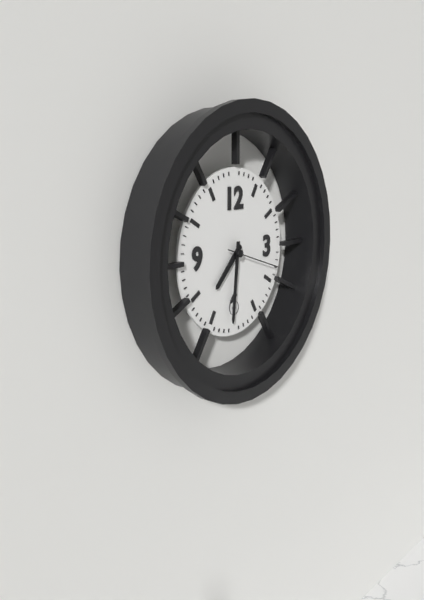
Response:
7.31.18
